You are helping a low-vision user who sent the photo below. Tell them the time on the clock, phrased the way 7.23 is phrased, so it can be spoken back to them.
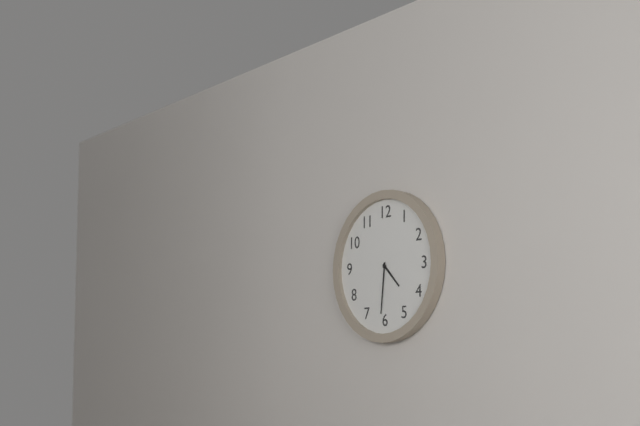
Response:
4.31
